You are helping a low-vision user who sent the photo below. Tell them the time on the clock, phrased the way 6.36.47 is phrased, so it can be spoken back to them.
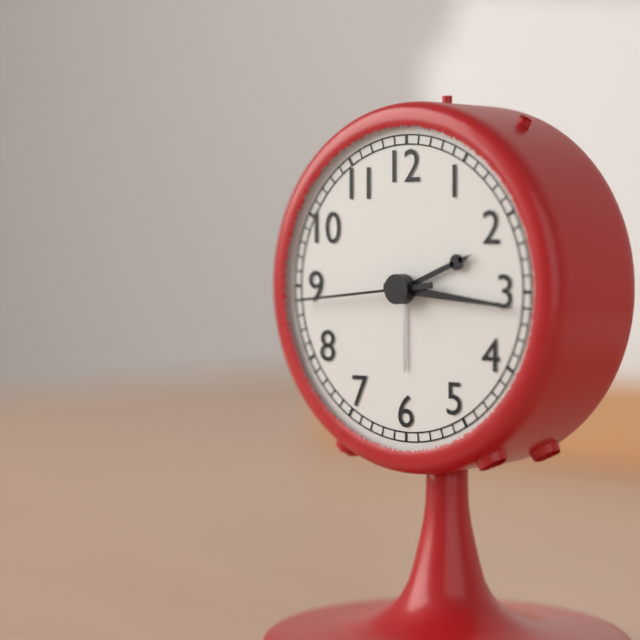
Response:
2.16.44
